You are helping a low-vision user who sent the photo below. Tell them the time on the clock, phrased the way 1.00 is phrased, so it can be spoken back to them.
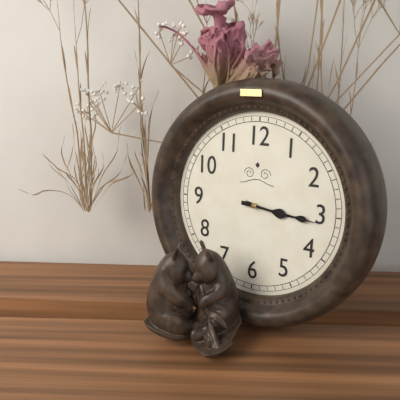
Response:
3.16
